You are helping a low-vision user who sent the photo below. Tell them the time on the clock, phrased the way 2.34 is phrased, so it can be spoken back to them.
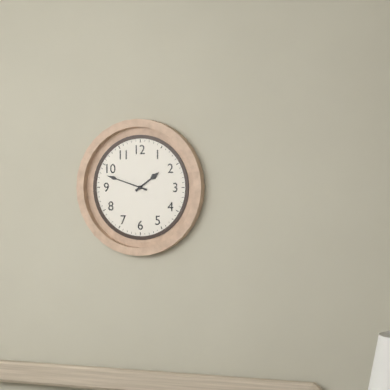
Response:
1.48
